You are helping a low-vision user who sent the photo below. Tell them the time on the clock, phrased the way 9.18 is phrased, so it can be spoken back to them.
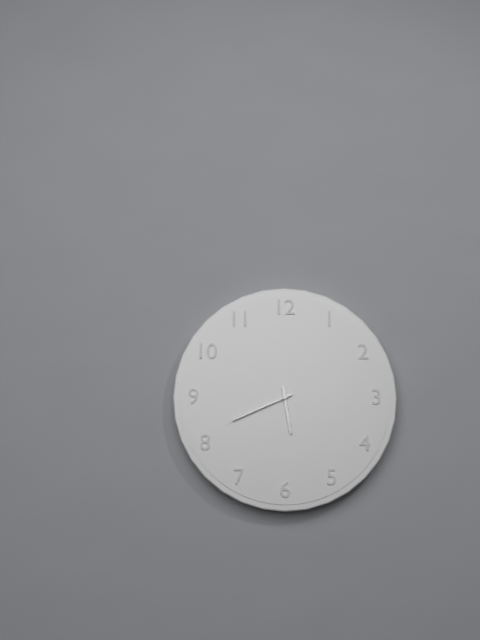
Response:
5.41
